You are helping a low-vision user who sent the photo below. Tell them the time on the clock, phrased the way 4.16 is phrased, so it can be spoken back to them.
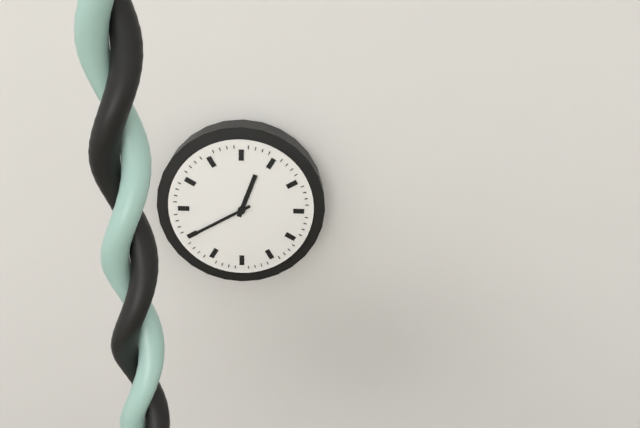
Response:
12.40
